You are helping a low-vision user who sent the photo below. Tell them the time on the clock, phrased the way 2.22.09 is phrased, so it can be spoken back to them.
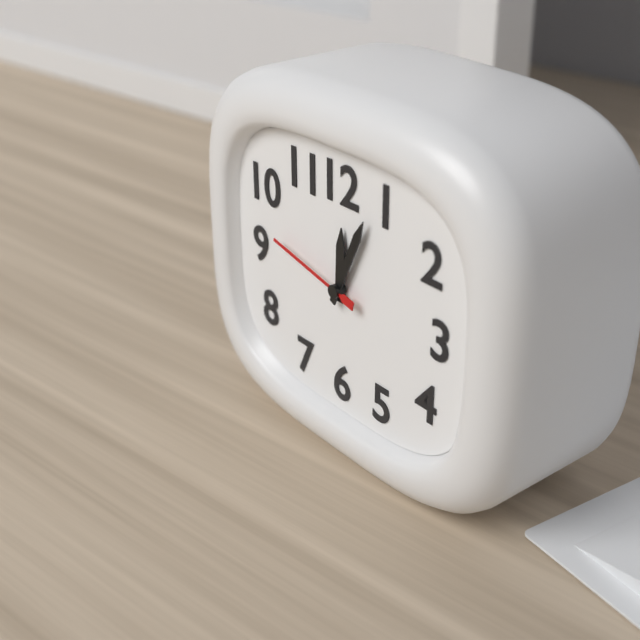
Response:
12.04.47
